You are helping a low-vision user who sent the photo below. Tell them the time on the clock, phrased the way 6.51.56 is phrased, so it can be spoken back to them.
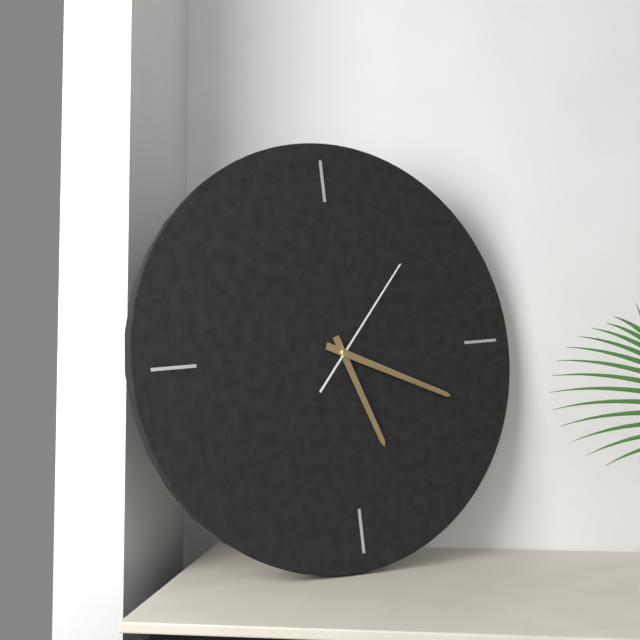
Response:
5.19.07
